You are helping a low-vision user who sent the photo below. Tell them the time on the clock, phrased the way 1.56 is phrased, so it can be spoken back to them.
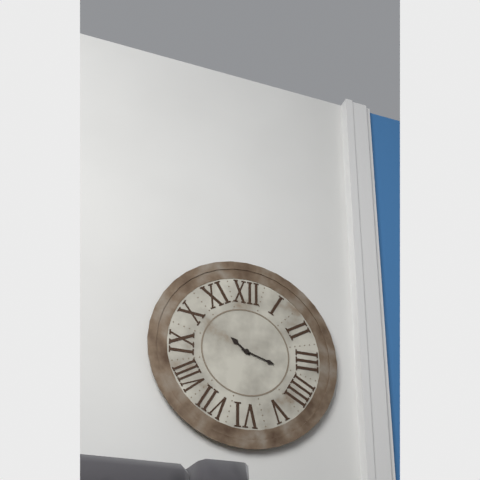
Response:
10.18
